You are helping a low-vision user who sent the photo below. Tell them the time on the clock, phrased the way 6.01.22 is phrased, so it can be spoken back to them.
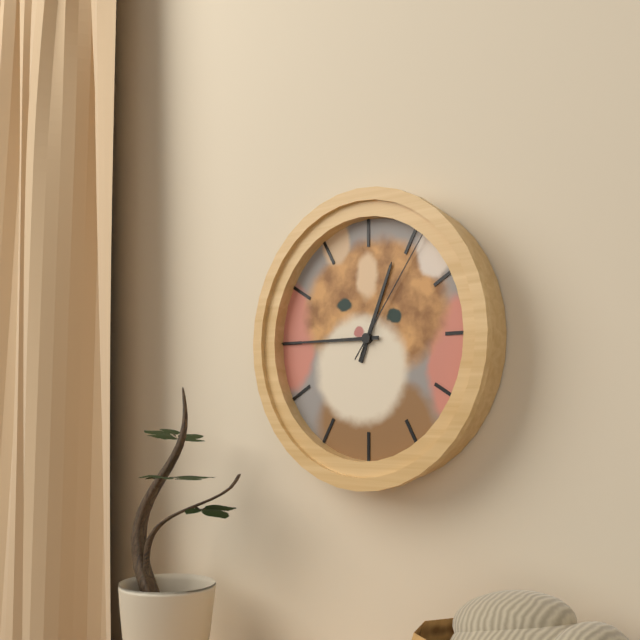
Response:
12.45.06
